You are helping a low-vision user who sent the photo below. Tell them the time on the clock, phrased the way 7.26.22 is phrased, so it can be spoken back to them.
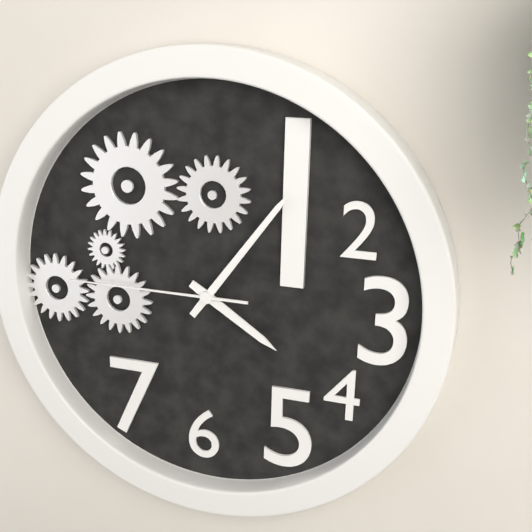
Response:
4.06.45
